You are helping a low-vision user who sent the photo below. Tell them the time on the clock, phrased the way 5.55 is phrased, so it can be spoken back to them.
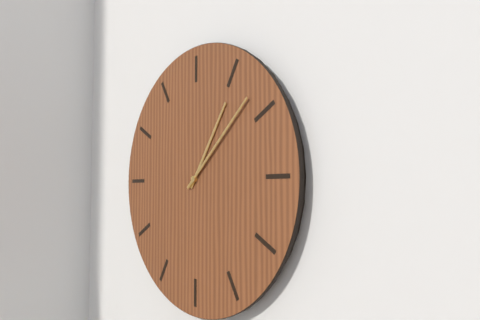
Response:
1.08
